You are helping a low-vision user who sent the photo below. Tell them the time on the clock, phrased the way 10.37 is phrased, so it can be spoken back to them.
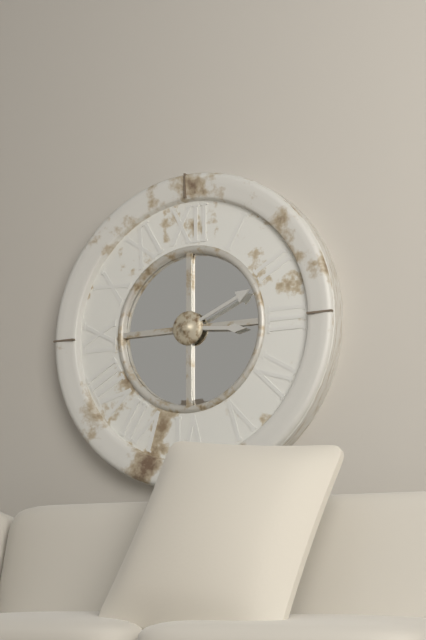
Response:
3.11
